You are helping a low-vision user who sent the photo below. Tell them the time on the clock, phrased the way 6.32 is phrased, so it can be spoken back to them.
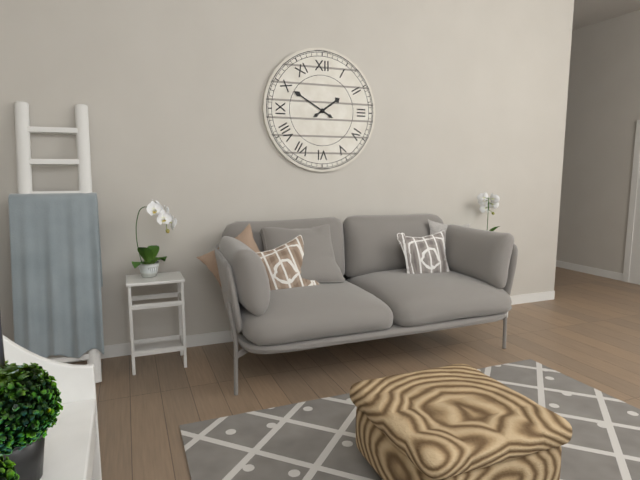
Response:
1.50
